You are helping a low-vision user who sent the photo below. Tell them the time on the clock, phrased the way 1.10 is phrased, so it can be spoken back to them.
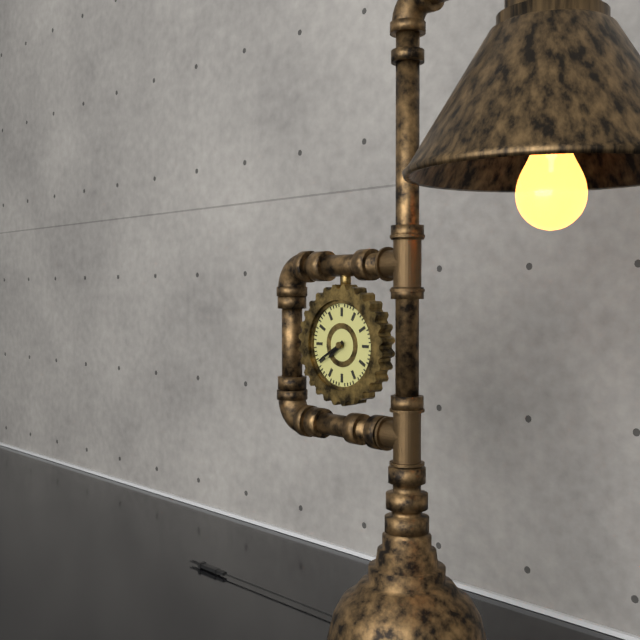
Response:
7.40
